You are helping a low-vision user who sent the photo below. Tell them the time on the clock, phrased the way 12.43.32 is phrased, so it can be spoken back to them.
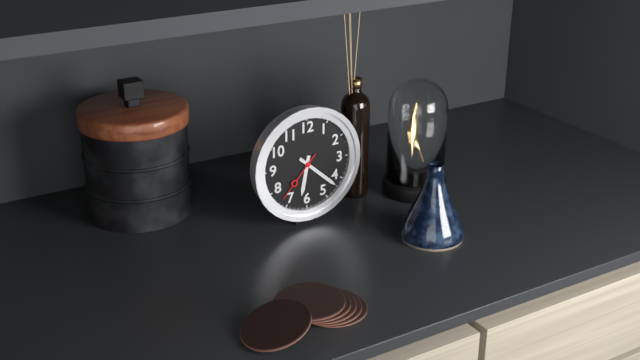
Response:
6.22.37
